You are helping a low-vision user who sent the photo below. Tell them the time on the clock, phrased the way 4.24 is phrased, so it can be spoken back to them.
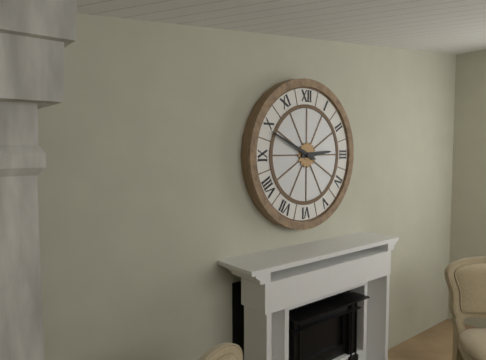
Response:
2.49
